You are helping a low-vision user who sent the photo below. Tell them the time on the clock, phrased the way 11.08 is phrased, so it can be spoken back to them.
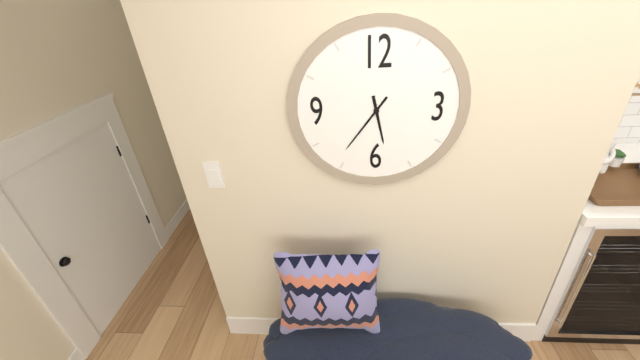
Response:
5.36
